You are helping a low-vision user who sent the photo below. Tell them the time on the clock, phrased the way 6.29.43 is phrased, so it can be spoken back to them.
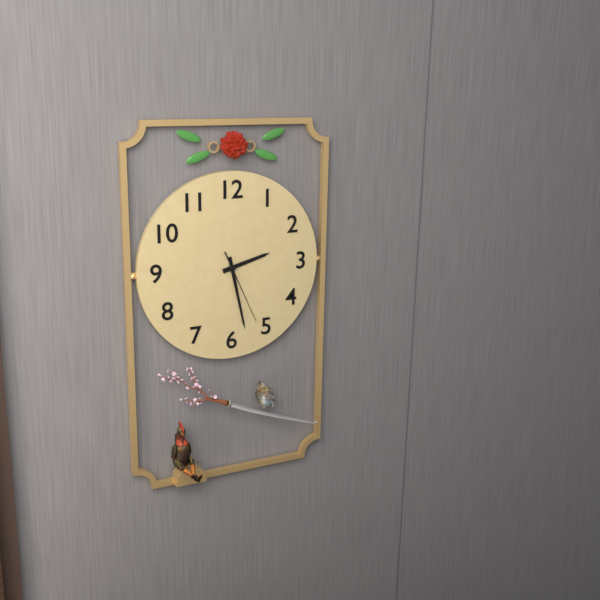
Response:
2.28.26
